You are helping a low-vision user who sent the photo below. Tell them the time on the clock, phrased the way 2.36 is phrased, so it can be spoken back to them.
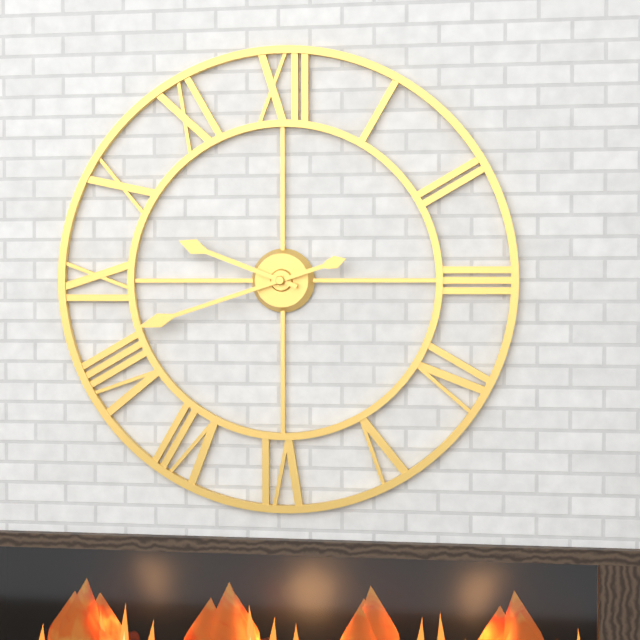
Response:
9.42
